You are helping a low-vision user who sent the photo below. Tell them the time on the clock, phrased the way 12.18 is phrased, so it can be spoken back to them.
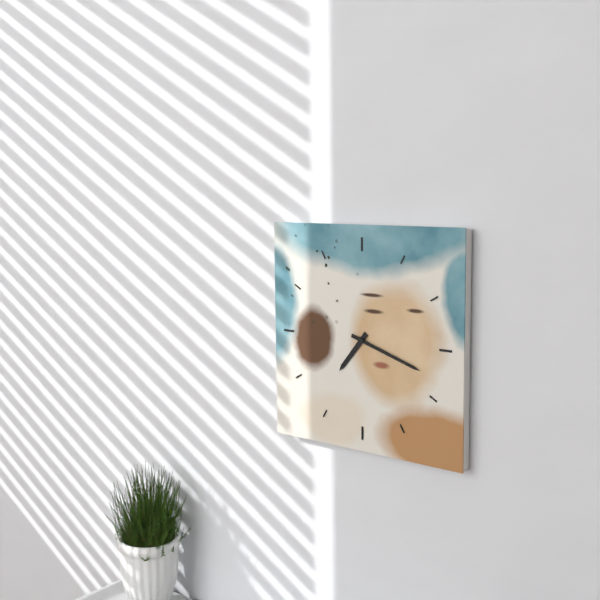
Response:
7.18
